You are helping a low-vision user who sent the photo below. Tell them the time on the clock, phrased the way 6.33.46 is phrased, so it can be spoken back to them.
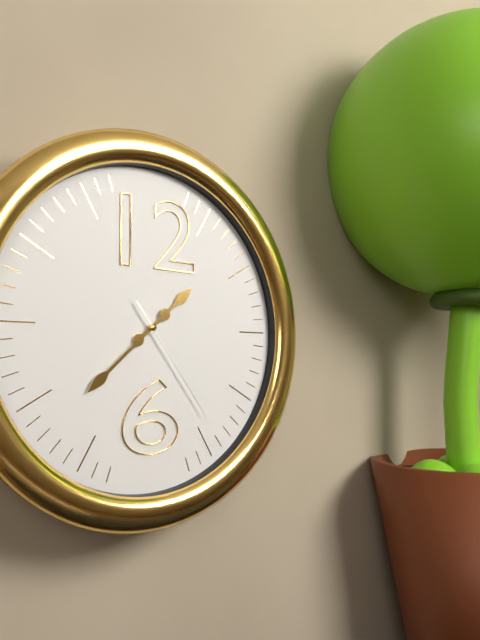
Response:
1.38.24
